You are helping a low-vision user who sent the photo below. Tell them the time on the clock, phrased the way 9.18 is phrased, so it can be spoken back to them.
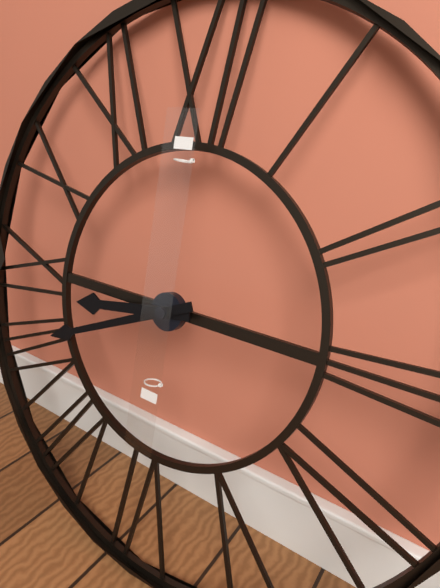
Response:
8.41
